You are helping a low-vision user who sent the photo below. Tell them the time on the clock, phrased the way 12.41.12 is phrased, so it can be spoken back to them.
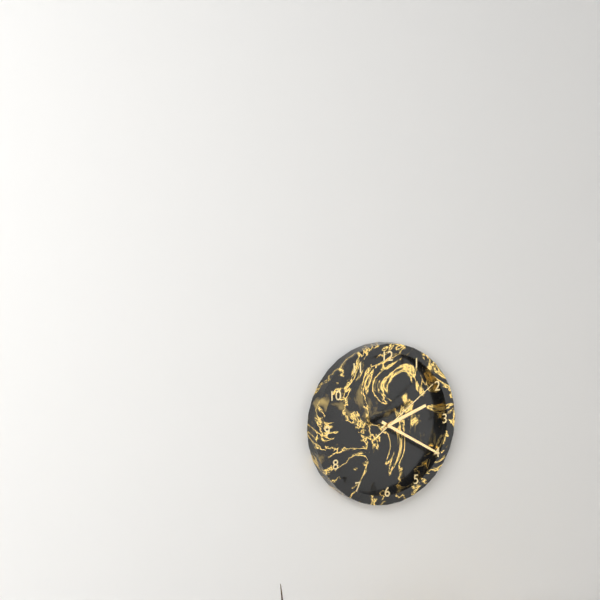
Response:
2.20.09
